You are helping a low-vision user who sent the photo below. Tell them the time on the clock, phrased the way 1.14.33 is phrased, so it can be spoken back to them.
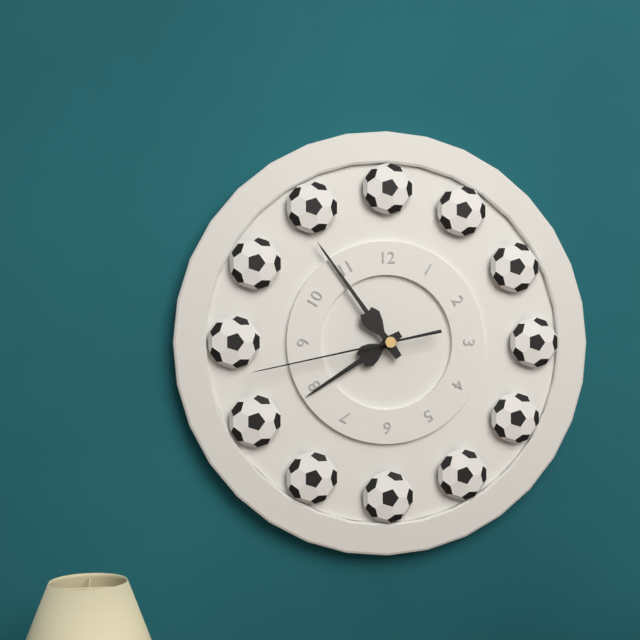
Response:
7.54.43
